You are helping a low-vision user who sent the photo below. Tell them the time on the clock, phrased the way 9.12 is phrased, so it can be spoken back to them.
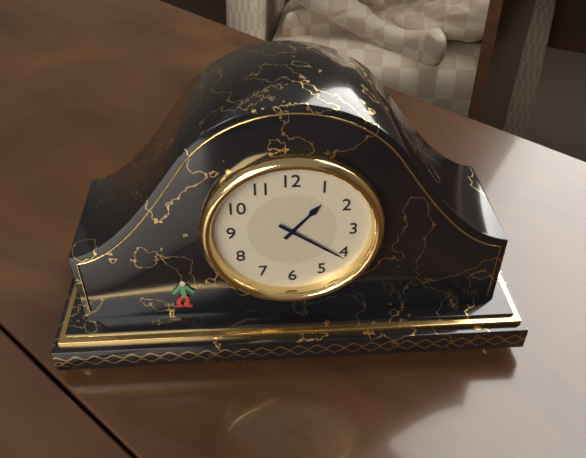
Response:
1.21
